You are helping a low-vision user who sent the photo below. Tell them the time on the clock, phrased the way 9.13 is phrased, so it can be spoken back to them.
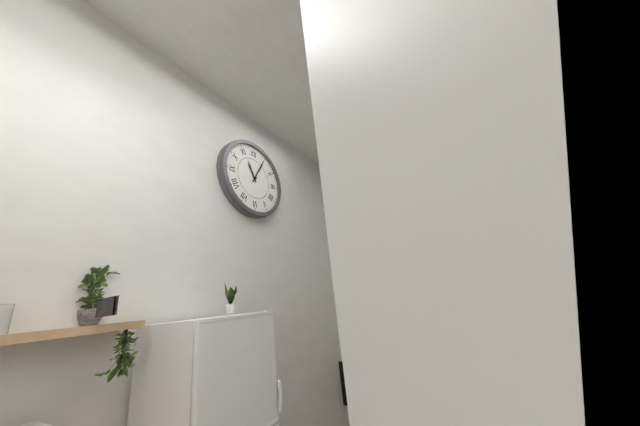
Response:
11.05
